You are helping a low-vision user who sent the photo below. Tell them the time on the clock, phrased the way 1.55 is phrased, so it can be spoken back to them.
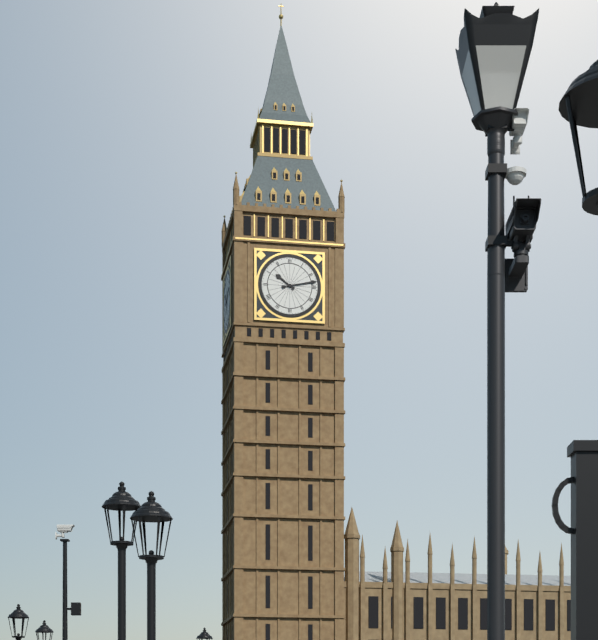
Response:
10.13
